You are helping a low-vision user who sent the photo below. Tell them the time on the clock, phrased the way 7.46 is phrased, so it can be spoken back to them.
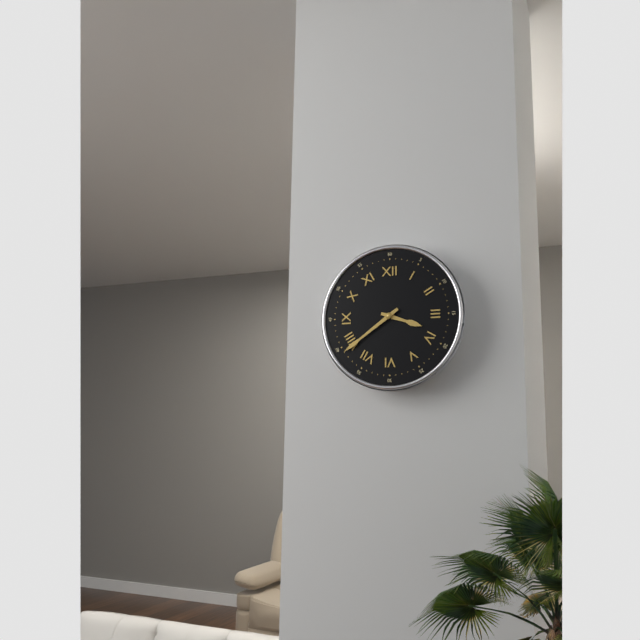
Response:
3.39
